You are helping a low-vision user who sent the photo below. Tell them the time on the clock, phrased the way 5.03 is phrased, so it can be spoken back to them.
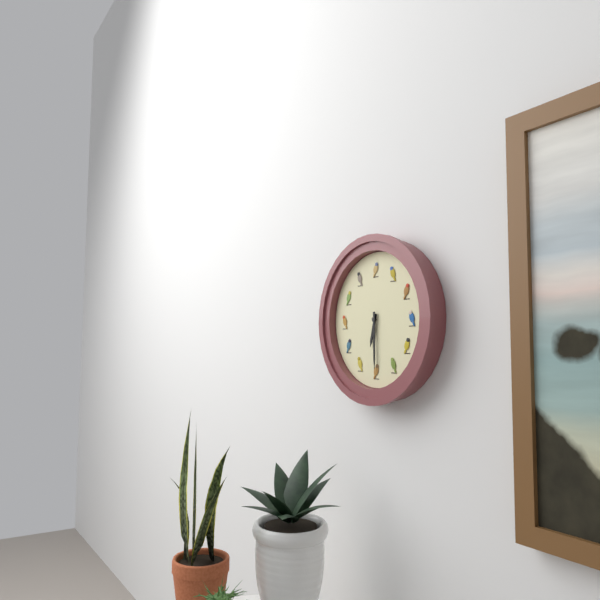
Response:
6.30
